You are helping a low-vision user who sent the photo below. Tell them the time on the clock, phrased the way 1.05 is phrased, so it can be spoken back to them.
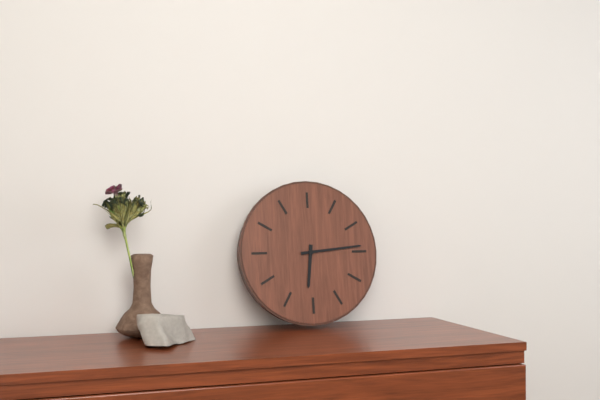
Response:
6.14
